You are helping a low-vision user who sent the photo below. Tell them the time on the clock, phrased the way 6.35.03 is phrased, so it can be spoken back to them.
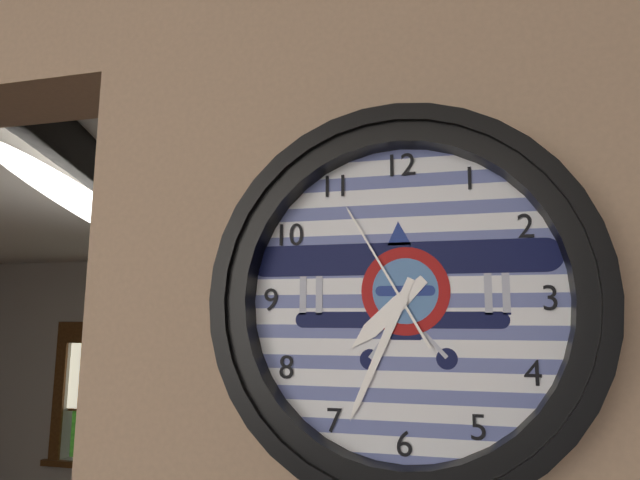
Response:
7.34.55
